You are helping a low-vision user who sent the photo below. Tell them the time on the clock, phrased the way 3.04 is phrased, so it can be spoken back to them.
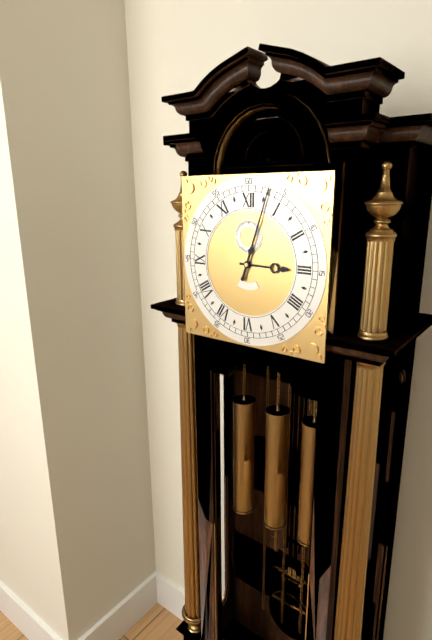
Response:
3.03
